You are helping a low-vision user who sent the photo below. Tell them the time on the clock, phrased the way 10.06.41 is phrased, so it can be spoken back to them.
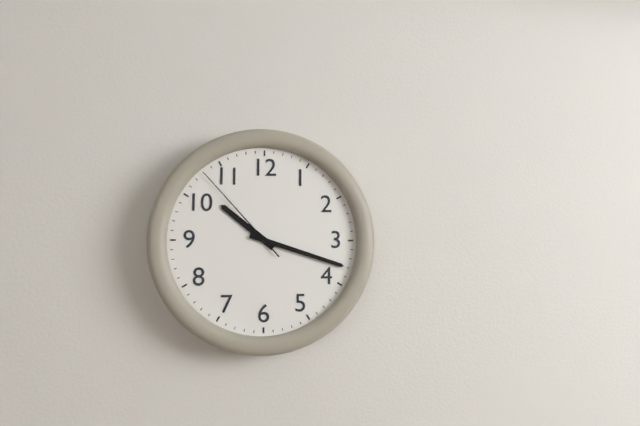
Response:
10.18.53
